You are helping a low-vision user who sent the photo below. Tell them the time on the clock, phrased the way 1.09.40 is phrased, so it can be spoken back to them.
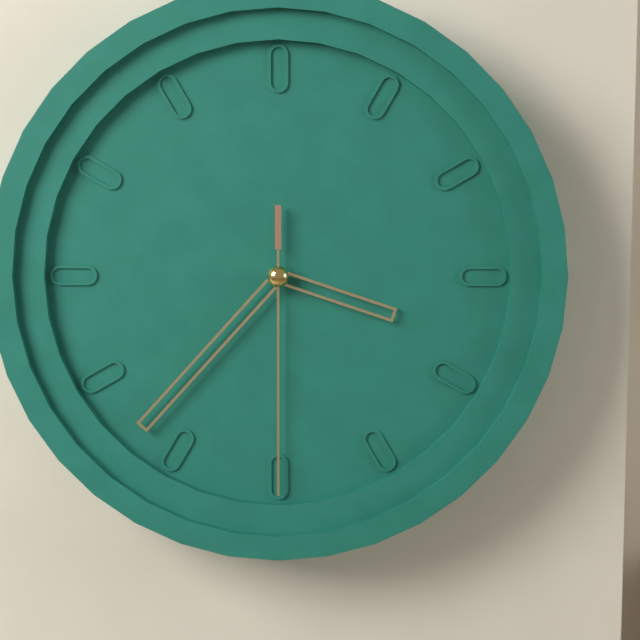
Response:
3.37.30
